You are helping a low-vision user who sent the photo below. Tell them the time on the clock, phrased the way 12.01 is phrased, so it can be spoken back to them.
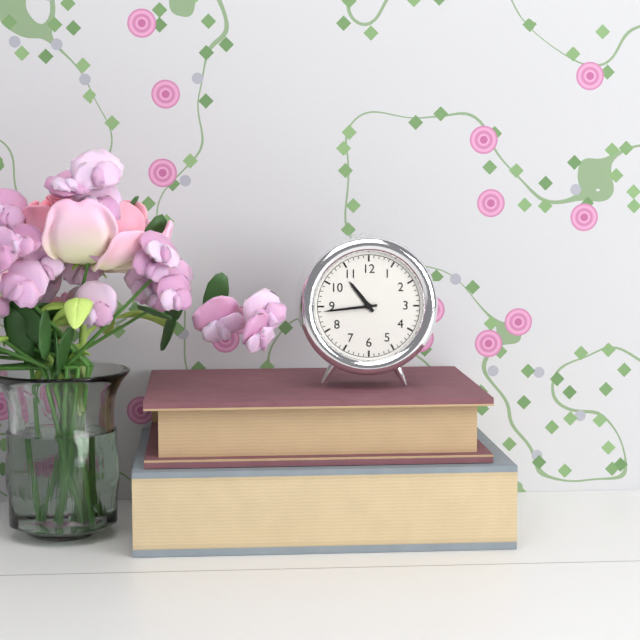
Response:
10.44
